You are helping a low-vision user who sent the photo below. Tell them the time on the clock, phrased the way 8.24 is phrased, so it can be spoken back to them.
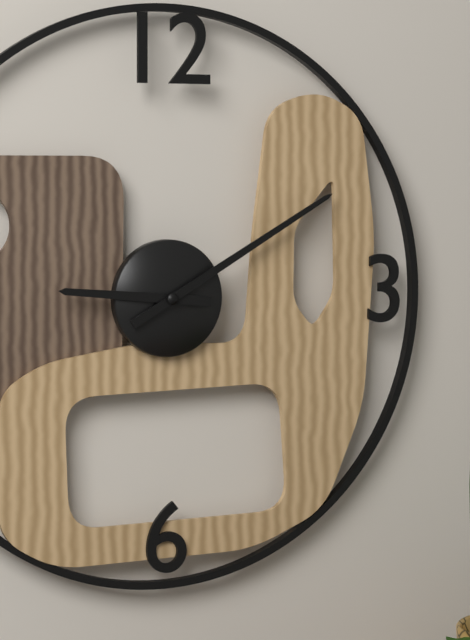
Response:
9.10
